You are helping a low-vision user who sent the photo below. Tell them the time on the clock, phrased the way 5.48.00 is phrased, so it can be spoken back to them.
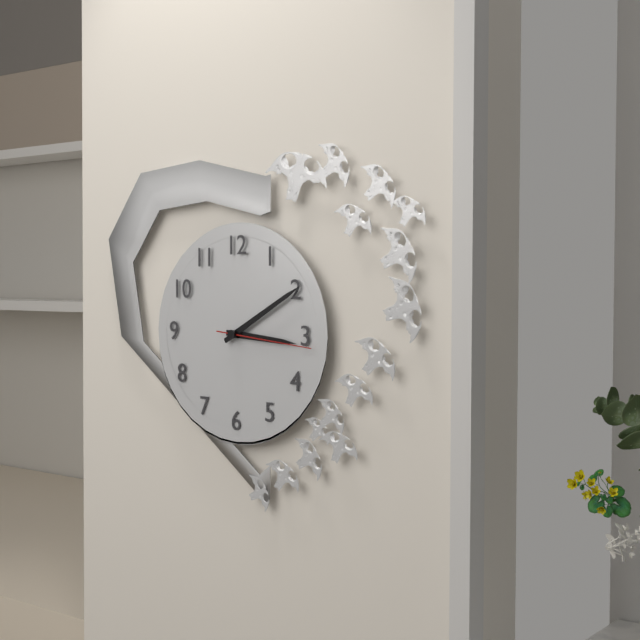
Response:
3.10.16
